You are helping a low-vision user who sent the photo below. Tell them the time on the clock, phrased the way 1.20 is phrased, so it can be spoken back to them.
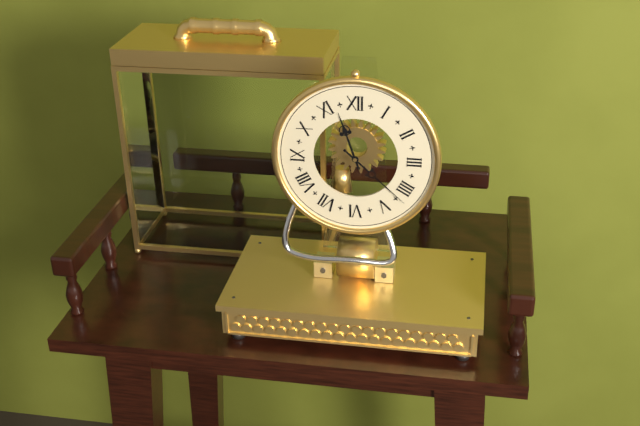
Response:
11.22
